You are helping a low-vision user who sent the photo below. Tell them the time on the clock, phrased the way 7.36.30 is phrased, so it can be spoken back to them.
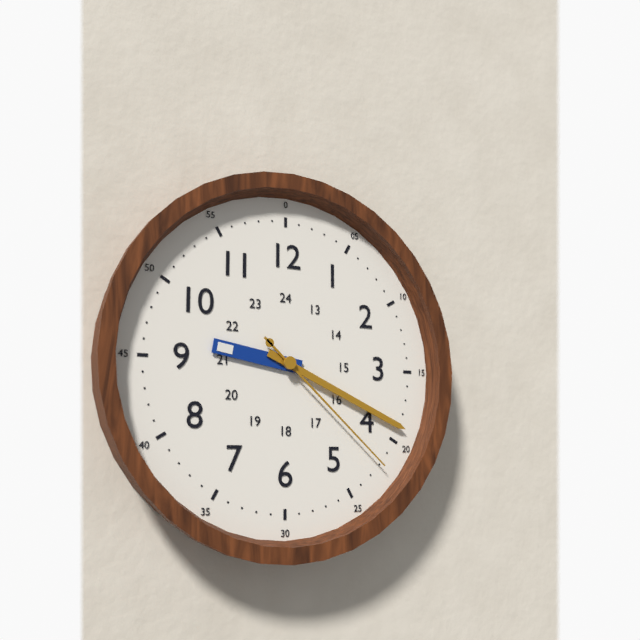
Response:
9.19.22
